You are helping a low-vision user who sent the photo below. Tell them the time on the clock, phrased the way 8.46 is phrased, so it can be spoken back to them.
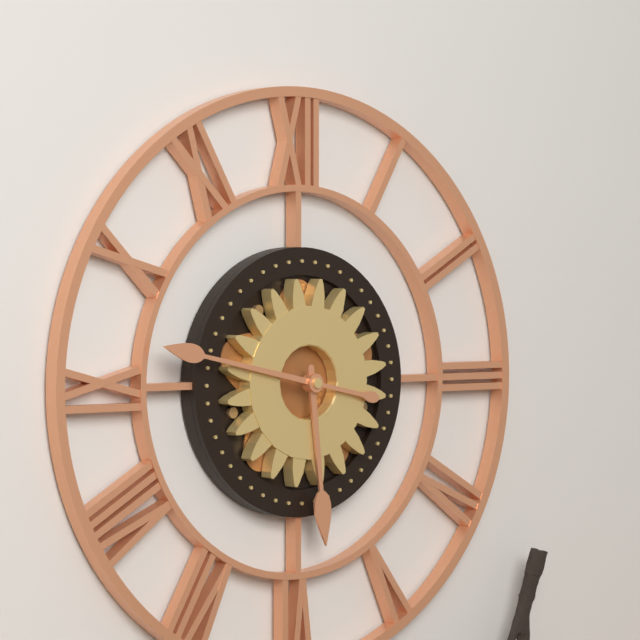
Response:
5.47
